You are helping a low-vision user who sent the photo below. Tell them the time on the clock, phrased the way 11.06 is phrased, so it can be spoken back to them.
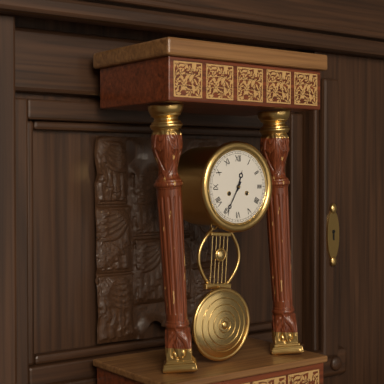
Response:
12.35
